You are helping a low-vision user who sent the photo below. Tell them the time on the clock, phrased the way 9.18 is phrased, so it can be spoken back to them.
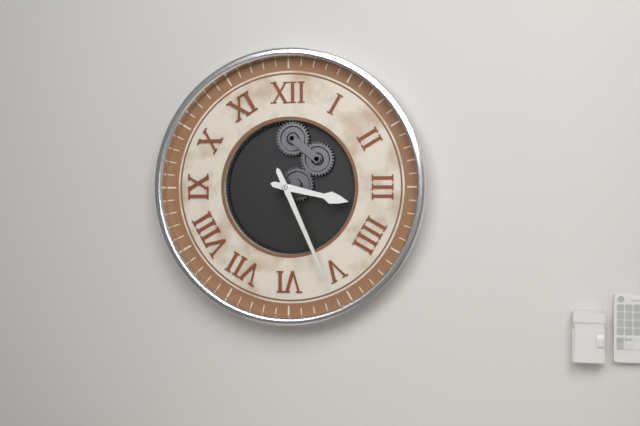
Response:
3.26
